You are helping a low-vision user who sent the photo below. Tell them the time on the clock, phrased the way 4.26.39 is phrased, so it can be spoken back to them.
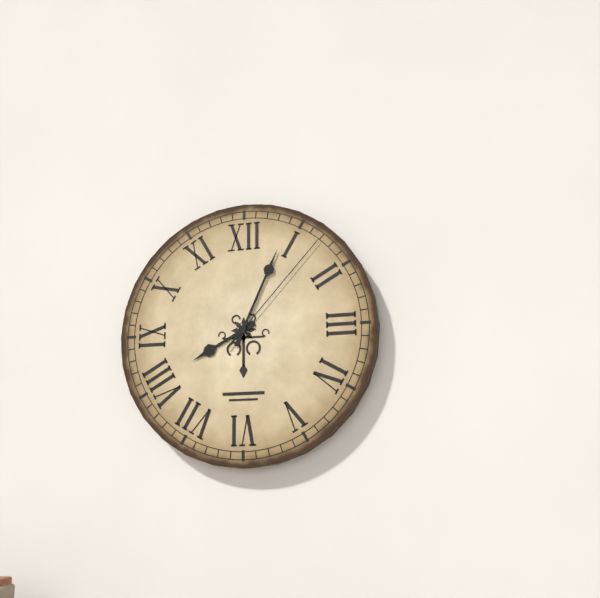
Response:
8.04.07
